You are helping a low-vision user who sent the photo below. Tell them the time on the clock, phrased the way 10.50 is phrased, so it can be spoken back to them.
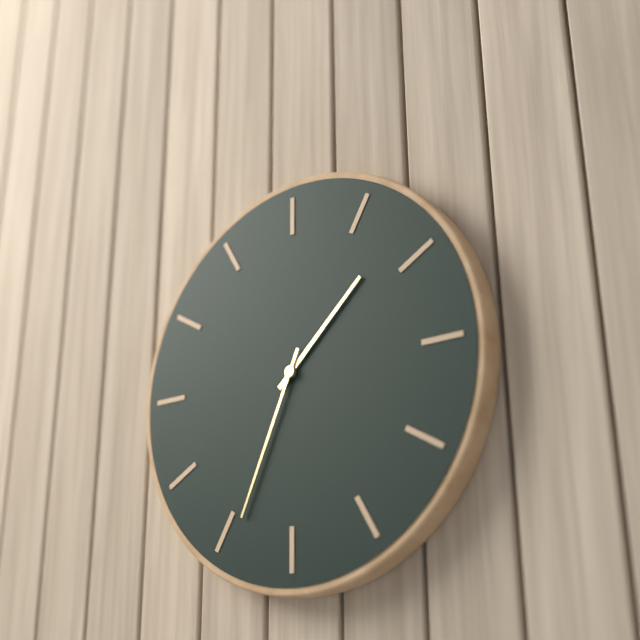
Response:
1.34
